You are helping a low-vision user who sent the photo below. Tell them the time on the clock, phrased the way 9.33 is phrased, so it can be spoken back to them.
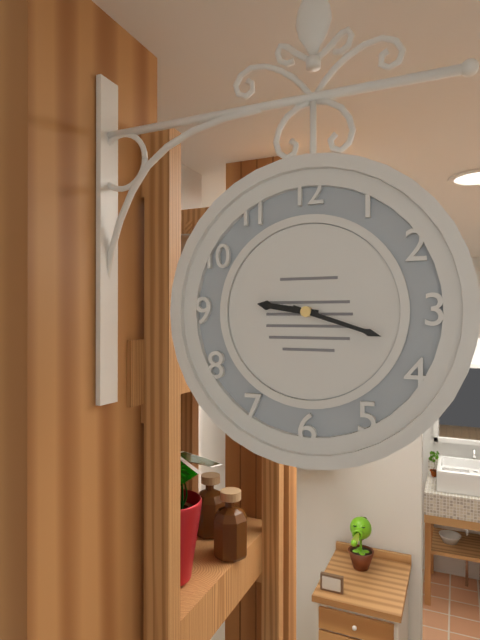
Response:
9.18
